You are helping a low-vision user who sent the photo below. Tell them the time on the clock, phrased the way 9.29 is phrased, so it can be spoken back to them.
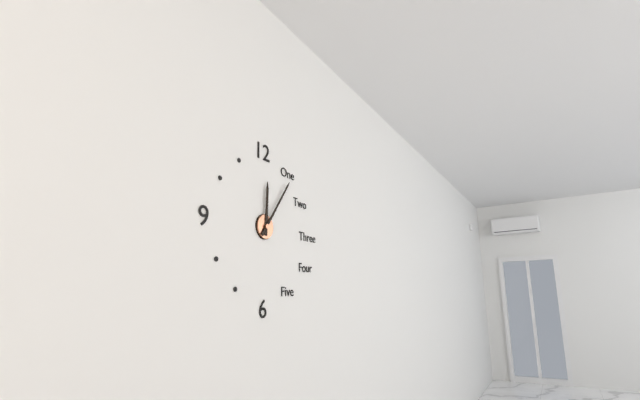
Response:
12.06
